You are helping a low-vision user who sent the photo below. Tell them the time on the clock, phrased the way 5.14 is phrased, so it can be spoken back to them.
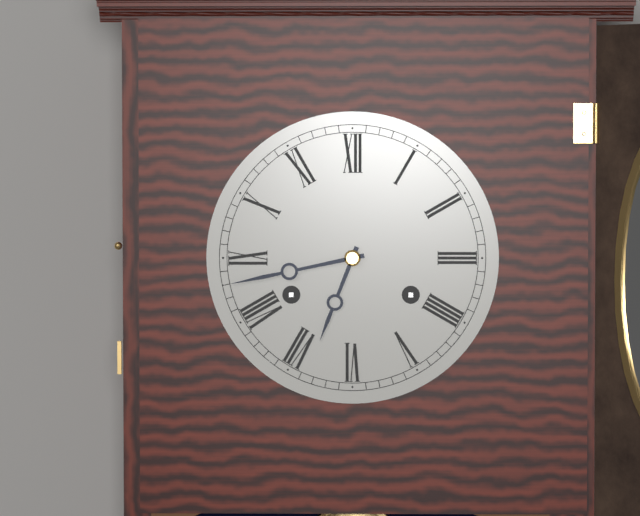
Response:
6.43
